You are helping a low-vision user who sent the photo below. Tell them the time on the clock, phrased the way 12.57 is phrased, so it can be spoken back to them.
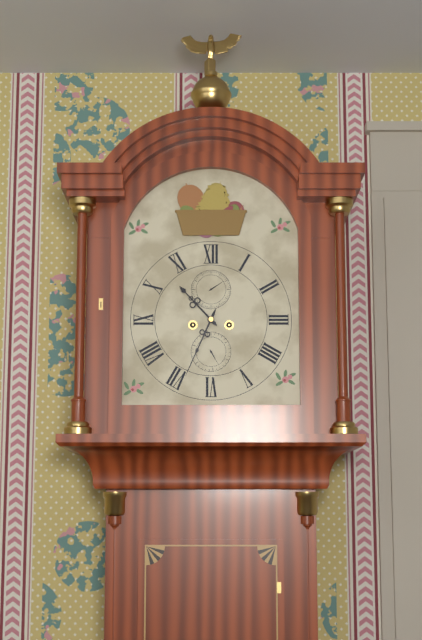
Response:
10.34
